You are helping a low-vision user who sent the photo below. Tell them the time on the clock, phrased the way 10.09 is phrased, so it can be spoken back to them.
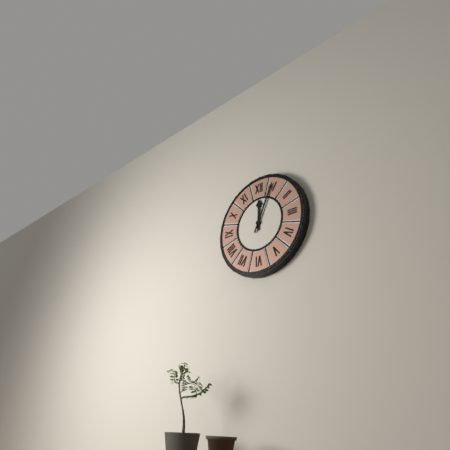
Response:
12.04
